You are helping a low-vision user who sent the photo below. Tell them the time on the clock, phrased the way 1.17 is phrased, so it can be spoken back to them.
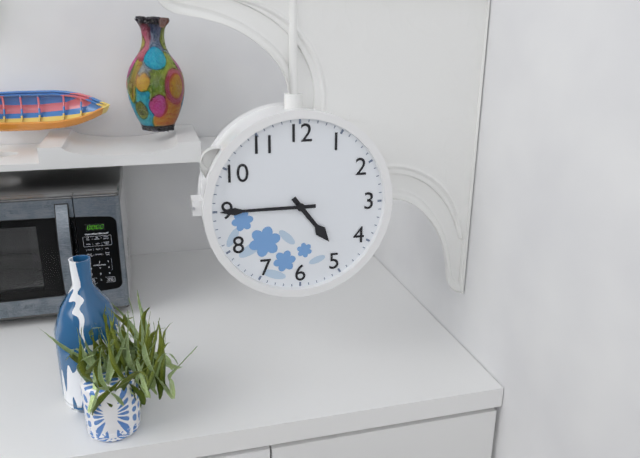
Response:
4.45
